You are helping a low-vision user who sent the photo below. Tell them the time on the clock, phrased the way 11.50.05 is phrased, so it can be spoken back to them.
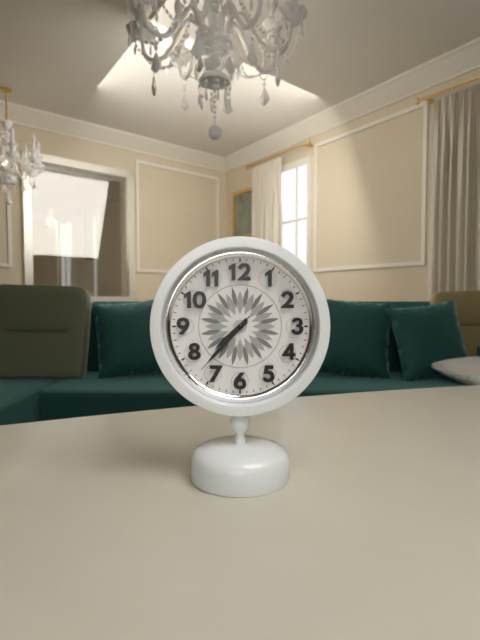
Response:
7.37.37
